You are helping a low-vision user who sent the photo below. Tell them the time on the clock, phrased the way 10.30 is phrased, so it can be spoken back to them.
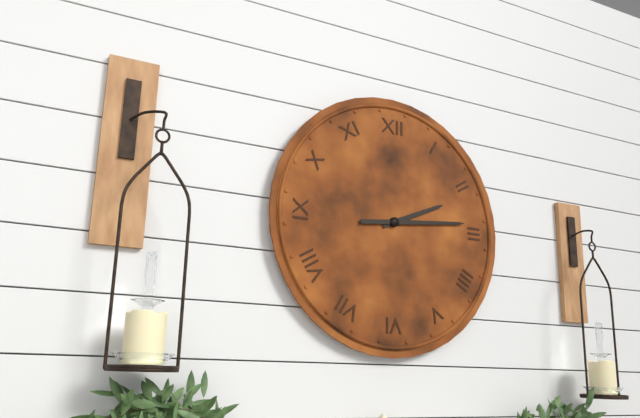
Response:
2.14
